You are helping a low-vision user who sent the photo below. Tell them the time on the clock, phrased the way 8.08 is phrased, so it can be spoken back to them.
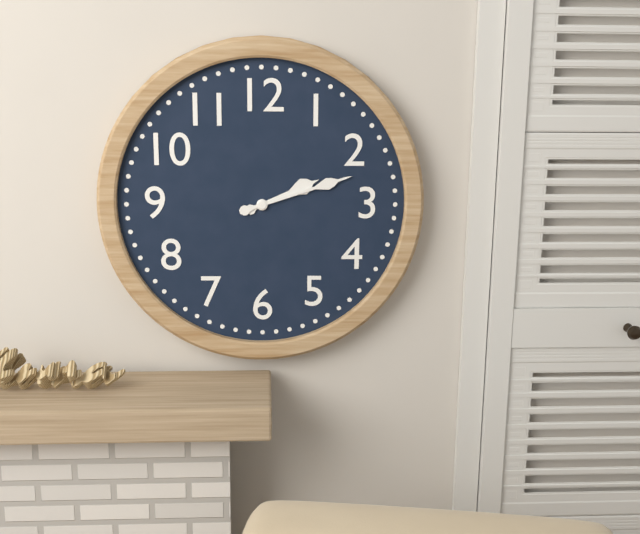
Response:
2.12
